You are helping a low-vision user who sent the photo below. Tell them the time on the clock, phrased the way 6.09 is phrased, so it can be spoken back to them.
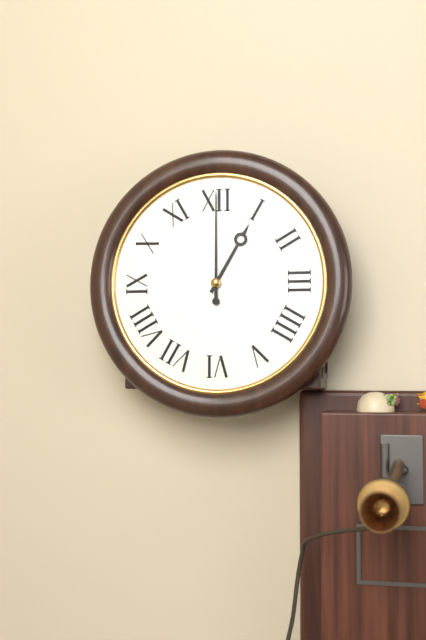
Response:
1.00
